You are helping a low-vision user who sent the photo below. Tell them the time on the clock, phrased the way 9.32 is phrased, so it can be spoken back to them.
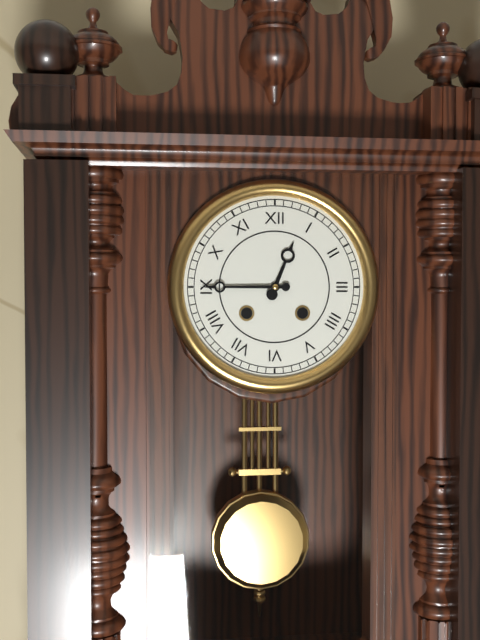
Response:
12.45
